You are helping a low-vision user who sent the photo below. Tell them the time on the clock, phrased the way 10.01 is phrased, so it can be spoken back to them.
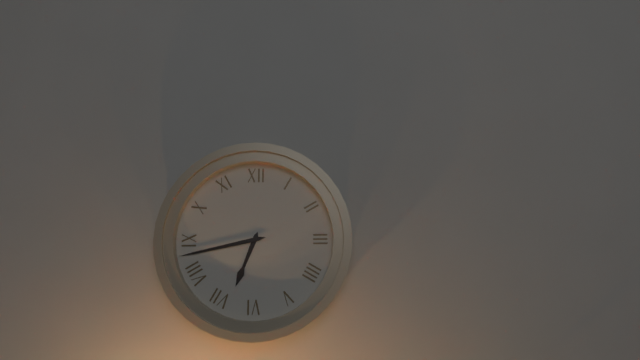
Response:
6.43
